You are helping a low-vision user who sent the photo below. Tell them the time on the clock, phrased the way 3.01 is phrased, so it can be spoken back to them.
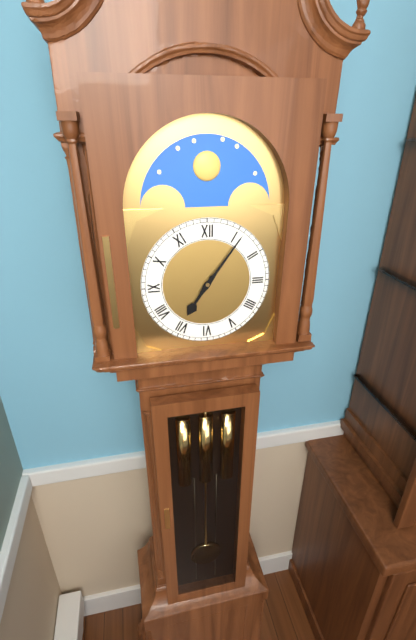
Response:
7.06
